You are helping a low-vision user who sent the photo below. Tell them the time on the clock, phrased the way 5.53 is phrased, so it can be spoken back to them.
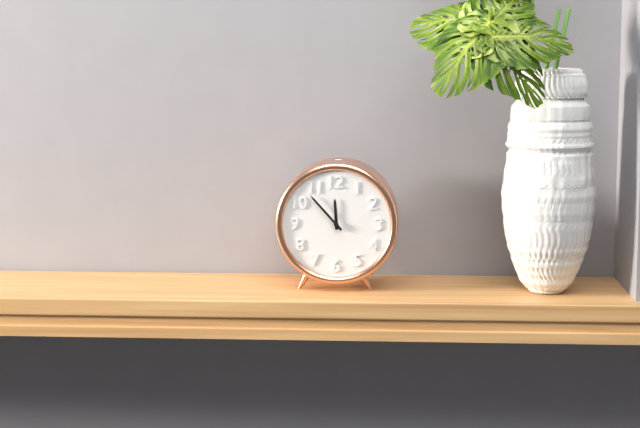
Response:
11.53
